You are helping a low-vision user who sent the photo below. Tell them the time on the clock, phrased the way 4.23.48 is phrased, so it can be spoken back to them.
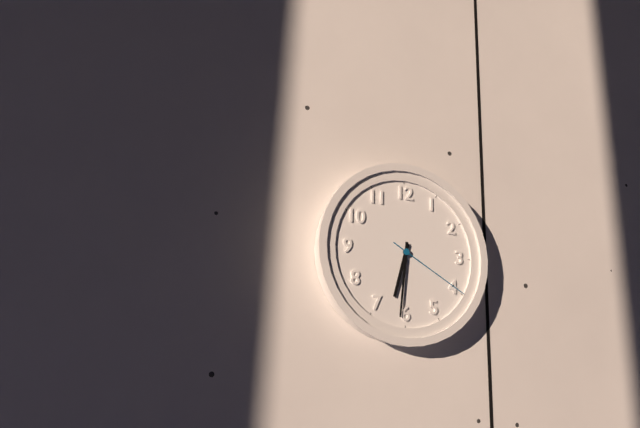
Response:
6.31.20
